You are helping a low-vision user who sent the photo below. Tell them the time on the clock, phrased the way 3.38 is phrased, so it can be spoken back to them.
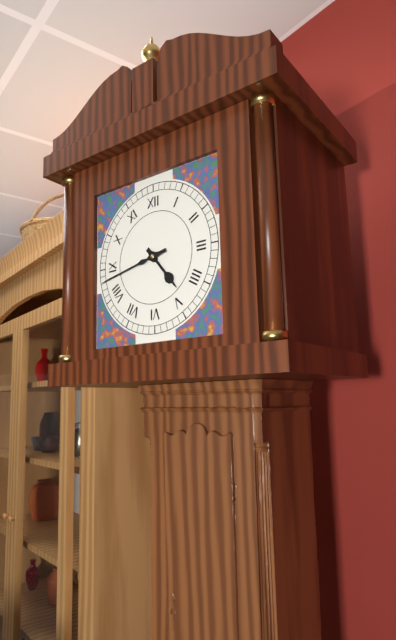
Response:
4.43
